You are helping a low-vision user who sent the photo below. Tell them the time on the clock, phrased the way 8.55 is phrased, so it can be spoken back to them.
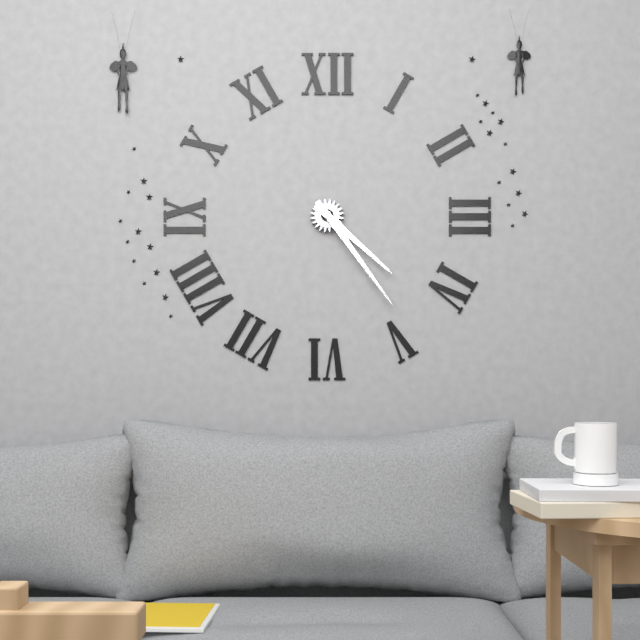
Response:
4.24
